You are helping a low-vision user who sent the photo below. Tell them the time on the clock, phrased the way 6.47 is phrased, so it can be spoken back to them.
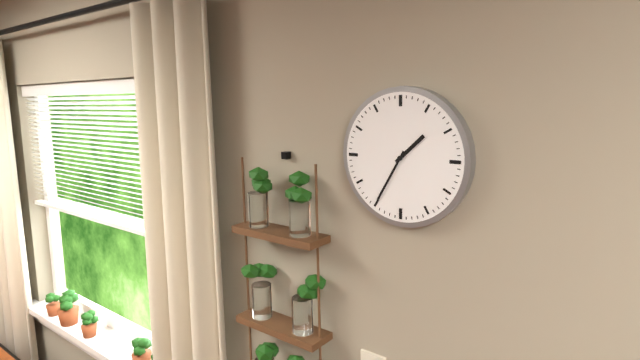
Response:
1.35
